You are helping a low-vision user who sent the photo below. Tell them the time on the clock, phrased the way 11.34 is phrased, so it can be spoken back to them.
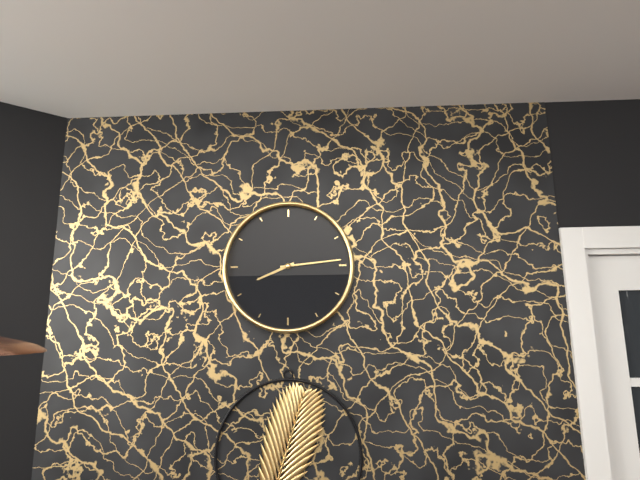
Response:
8.14
